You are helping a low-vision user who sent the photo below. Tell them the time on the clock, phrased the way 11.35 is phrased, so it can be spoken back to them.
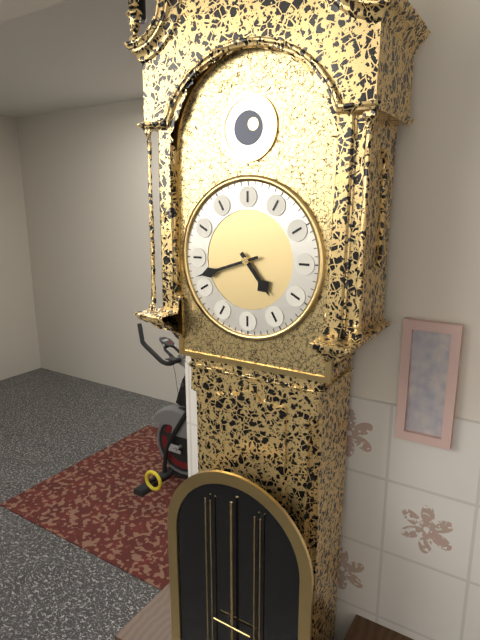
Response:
4.42
